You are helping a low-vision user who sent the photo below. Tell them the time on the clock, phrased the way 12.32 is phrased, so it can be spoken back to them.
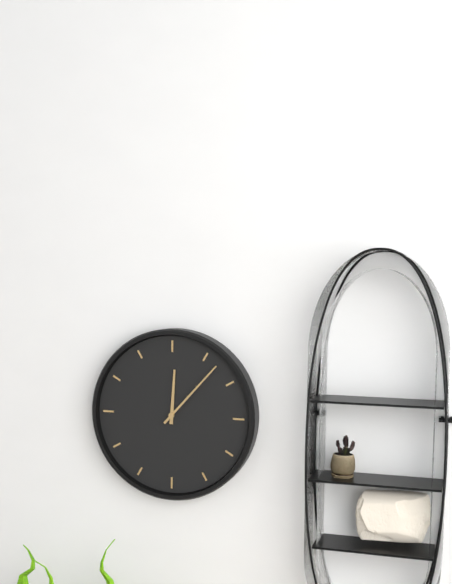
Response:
12.07
